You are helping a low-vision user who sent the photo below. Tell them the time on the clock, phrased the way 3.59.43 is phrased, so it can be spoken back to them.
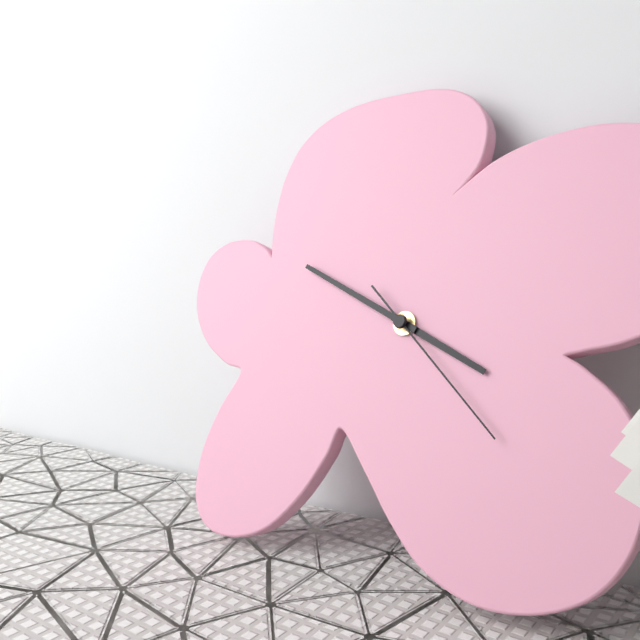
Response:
3.49.22
